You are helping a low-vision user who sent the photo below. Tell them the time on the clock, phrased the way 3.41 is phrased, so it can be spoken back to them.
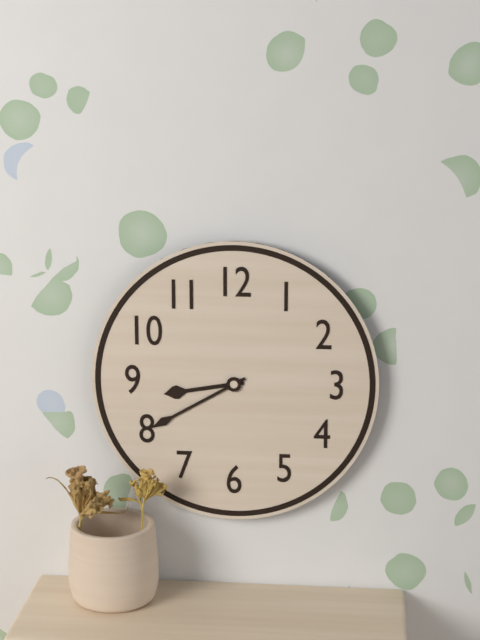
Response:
8.40
